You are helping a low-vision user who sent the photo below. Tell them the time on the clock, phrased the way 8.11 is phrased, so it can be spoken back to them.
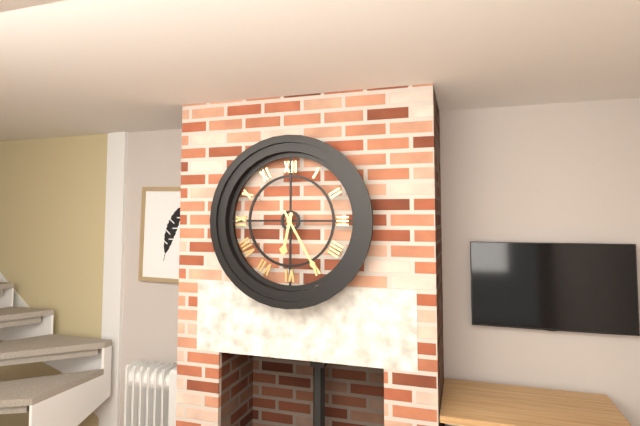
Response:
6.25
